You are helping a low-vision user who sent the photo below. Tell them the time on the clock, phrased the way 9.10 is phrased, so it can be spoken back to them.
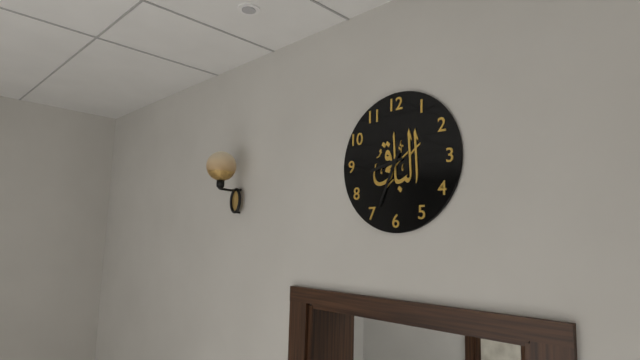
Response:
8.34
